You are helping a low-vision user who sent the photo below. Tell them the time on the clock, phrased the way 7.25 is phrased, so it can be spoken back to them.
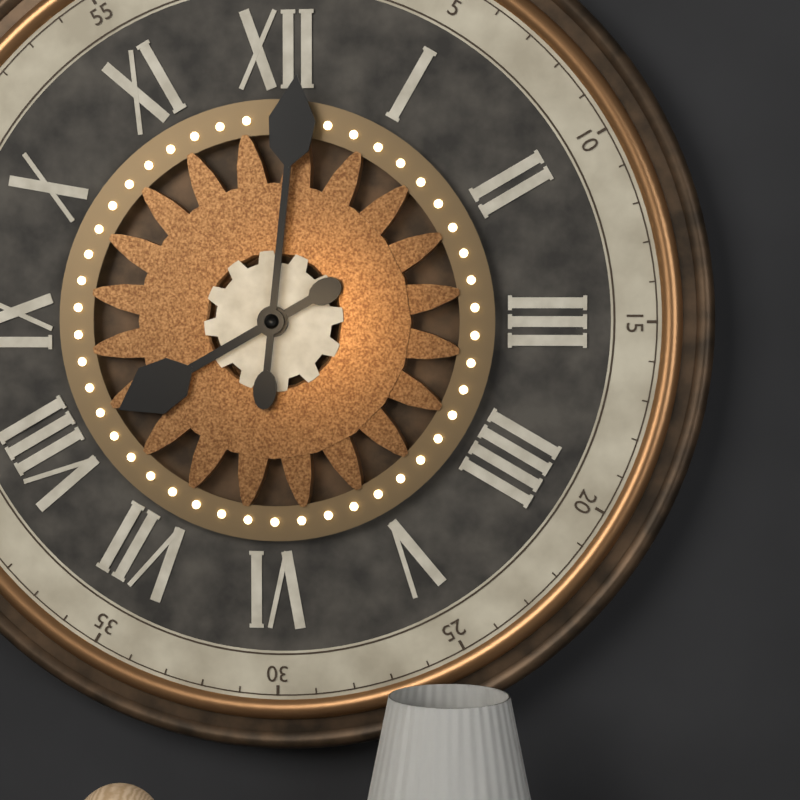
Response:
8.01
